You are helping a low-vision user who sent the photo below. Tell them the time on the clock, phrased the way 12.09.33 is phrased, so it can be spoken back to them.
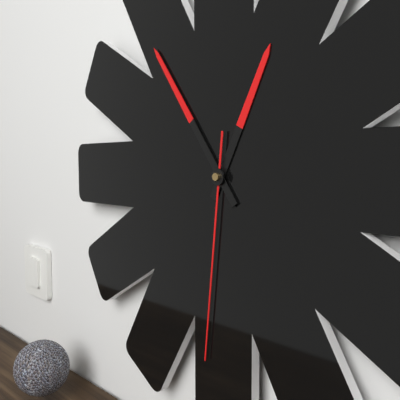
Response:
12.54.31
